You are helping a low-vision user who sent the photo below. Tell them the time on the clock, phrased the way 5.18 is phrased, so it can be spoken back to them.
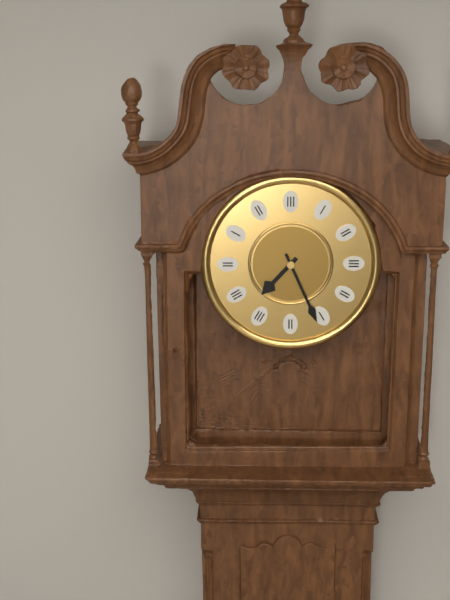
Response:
7.26
